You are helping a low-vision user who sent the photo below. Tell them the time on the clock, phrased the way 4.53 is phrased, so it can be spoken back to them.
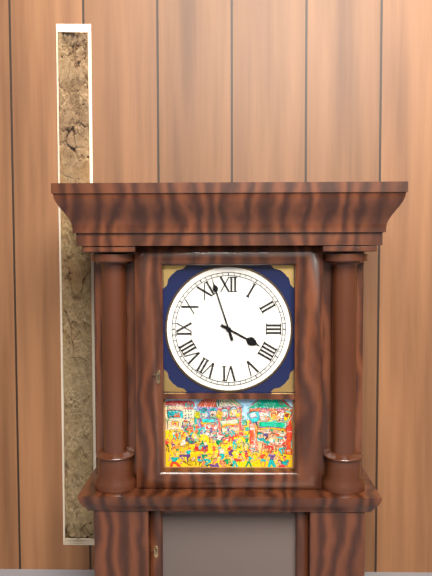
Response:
3.57
